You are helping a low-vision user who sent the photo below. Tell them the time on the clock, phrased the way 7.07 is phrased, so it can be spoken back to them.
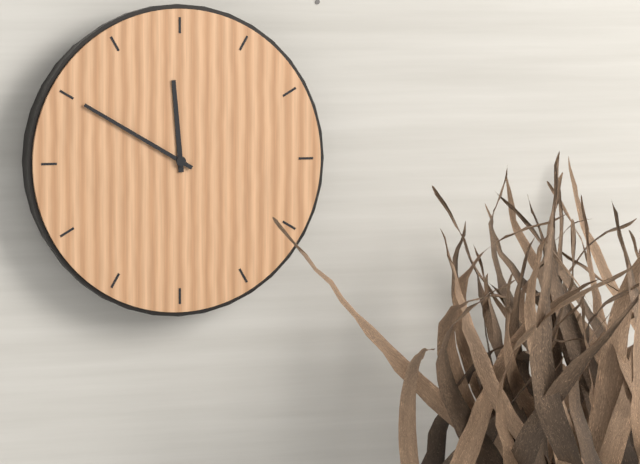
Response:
11.50
